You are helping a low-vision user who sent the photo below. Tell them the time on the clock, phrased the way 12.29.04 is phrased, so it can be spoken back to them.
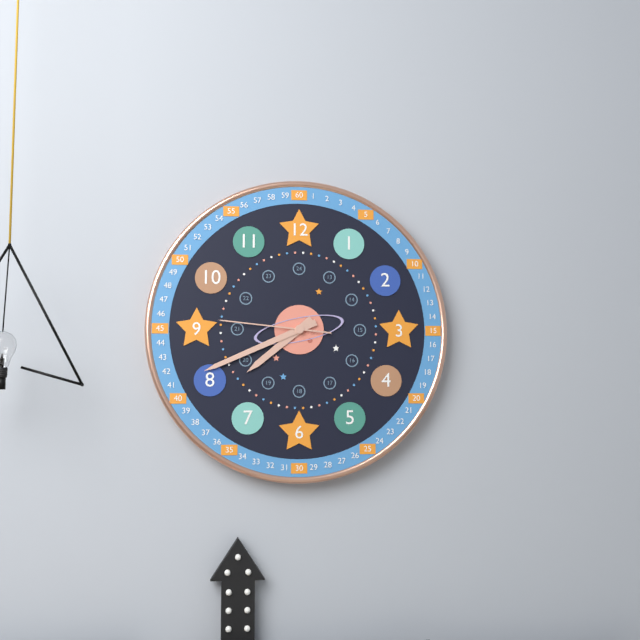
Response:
7.41.46
